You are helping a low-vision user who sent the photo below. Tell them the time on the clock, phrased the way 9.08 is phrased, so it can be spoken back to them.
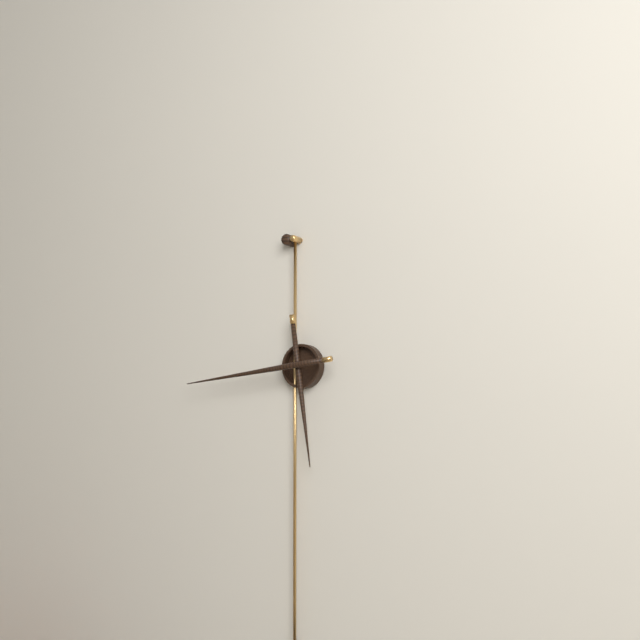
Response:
5.44
